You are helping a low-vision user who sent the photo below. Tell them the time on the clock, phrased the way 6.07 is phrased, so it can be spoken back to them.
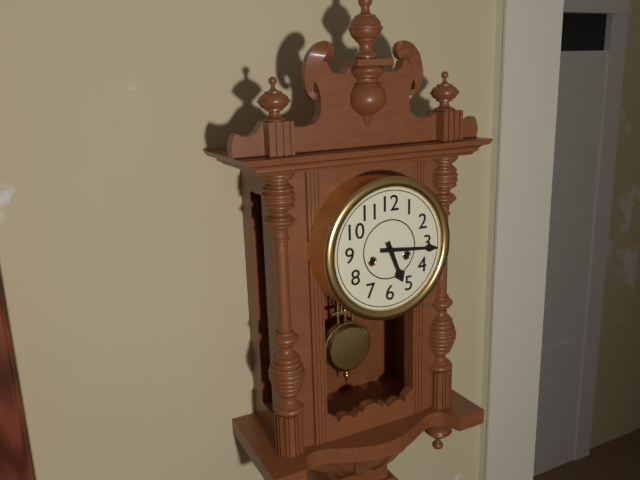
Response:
5.16
